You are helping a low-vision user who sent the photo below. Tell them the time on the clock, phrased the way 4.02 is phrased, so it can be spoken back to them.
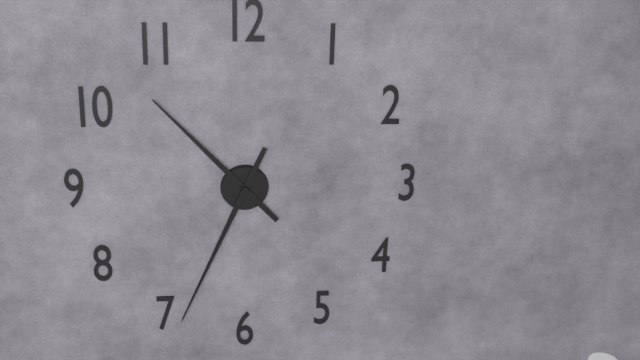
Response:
10.34
